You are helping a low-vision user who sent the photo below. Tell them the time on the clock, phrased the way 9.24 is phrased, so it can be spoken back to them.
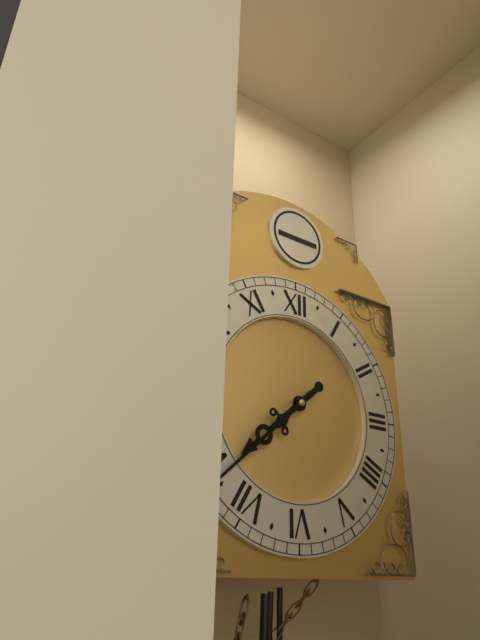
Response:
7.38
